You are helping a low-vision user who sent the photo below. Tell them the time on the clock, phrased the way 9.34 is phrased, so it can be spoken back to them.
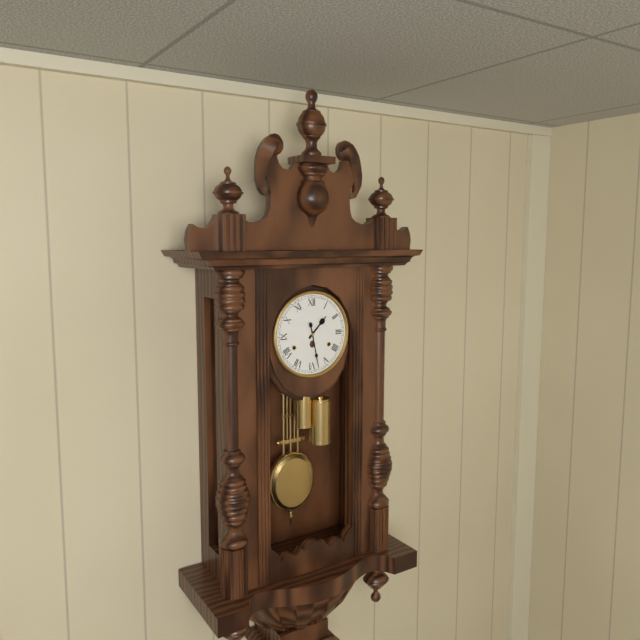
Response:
1.28
